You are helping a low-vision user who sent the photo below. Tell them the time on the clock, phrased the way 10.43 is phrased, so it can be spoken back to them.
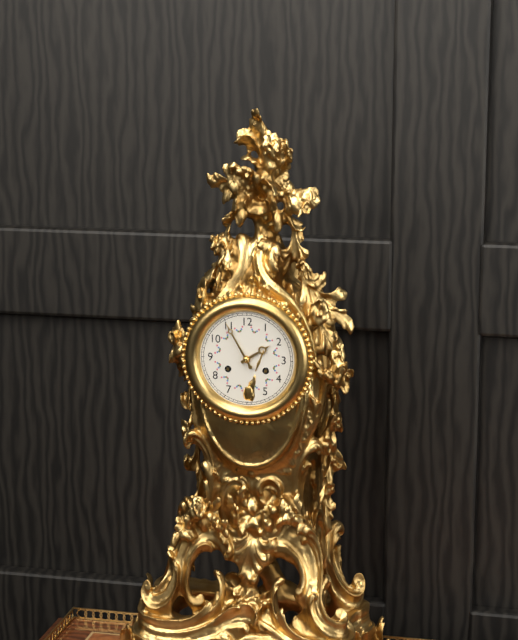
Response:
1.55
